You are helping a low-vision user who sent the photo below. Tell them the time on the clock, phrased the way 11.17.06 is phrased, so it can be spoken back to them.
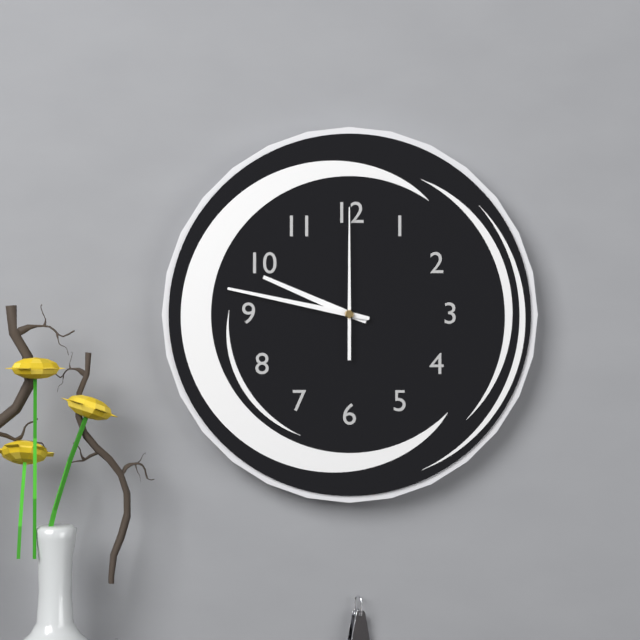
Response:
9.47.00
